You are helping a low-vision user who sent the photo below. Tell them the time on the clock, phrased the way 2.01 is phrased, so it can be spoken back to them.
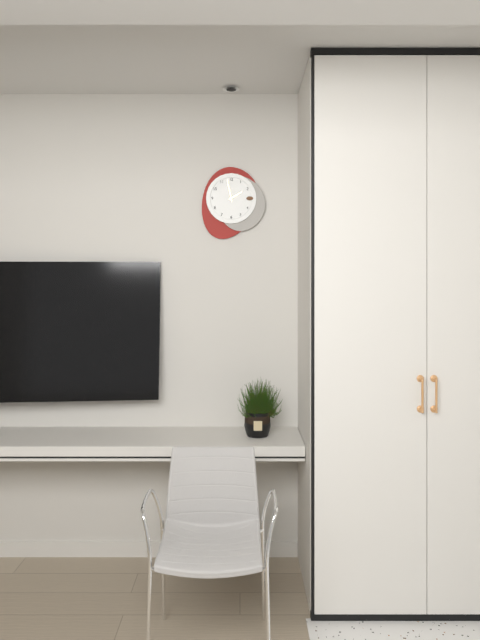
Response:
1.58
